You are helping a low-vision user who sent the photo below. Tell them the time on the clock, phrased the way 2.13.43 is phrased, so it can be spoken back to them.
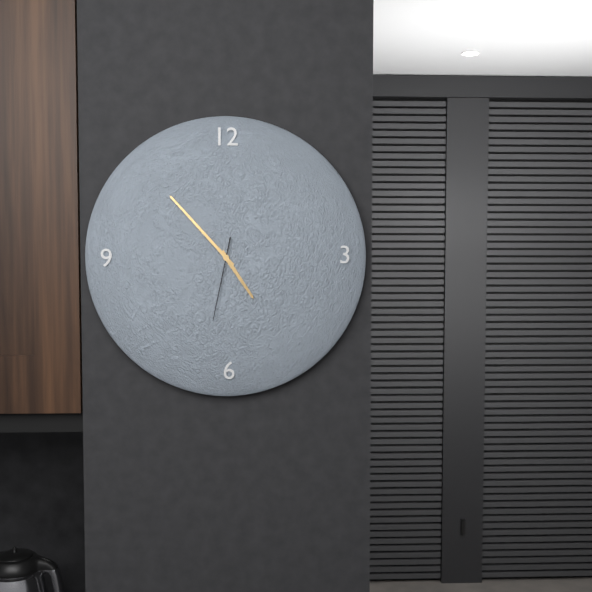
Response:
4.53.32
